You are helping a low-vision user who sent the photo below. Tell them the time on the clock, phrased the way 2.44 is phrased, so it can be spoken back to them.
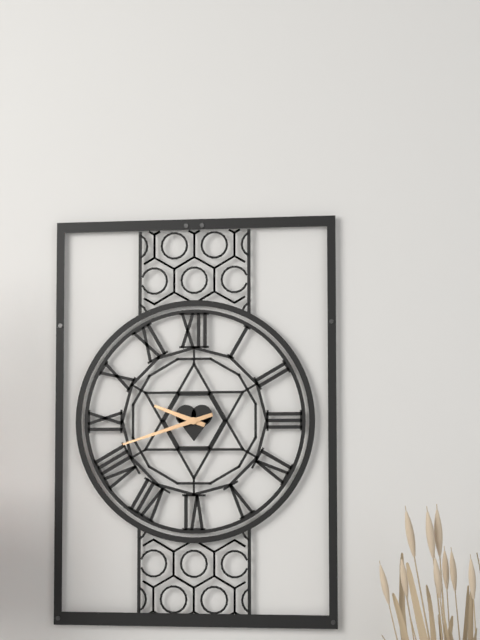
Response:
9.42
